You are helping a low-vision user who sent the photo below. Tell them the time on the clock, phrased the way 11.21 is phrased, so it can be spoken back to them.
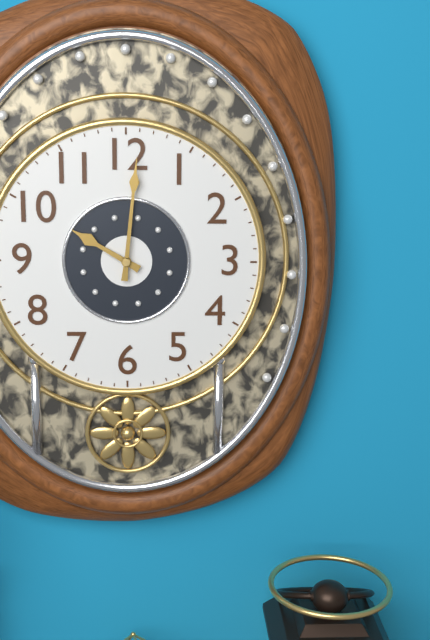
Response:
10.01
